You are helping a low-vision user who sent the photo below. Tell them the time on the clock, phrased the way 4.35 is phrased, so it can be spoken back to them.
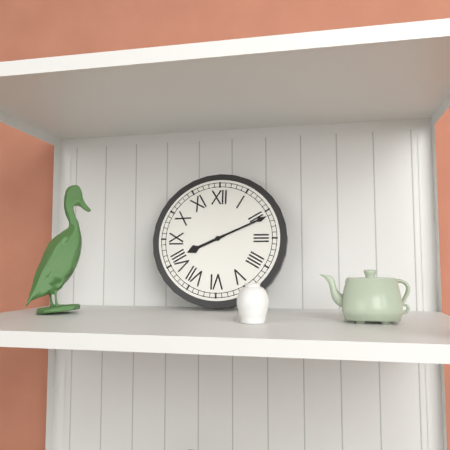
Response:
8.11
